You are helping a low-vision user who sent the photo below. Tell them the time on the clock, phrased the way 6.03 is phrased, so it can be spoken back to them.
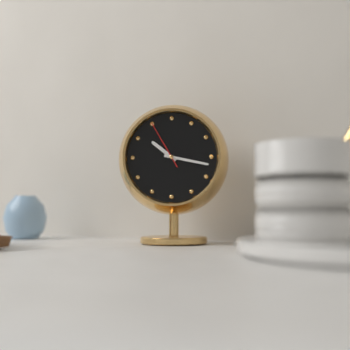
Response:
10.17
